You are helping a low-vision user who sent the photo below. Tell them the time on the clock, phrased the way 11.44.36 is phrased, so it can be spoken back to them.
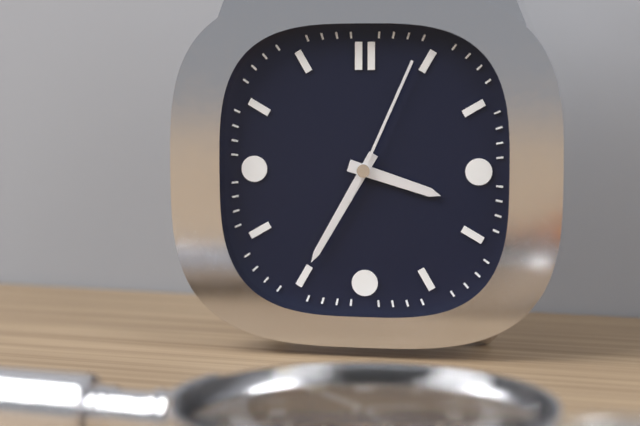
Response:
3.35.04
